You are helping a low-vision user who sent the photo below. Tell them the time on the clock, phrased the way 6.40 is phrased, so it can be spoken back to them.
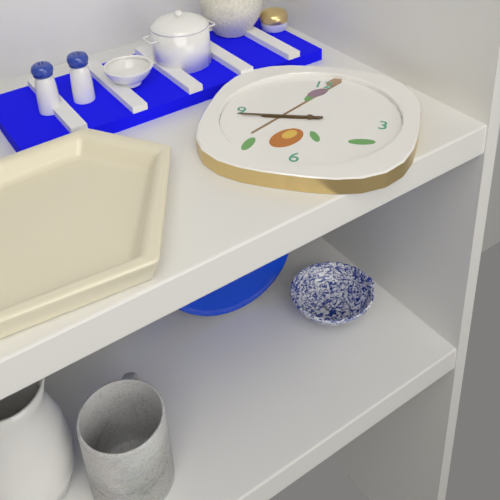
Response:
8.44
